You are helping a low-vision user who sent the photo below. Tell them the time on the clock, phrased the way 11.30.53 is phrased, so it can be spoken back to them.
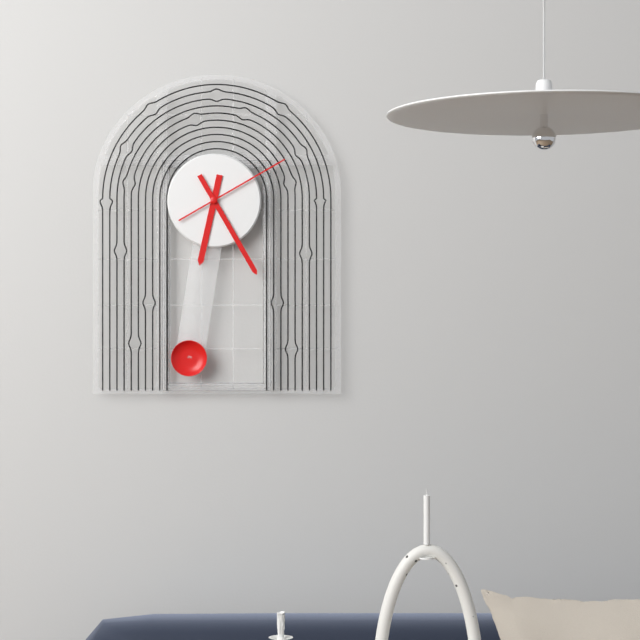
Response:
6.25.10
